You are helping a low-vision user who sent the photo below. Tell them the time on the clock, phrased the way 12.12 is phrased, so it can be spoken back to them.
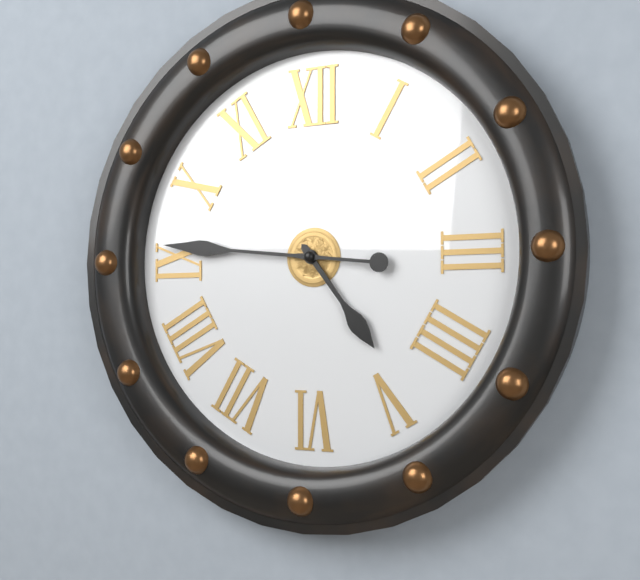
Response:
4.46
